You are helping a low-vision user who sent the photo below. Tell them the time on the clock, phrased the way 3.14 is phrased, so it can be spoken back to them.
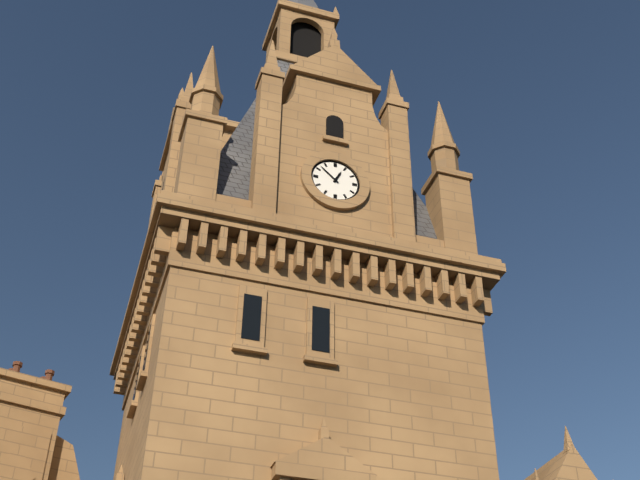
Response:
12.52
